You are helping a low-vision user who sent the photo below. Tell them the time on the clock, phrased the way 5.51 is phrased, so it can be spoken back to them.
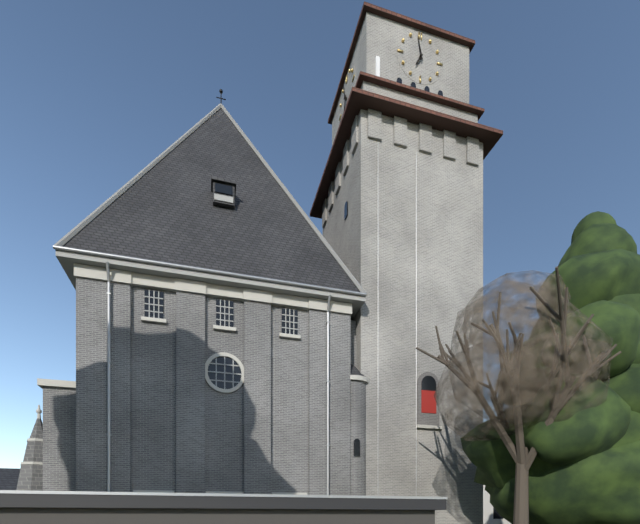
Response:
6.58
